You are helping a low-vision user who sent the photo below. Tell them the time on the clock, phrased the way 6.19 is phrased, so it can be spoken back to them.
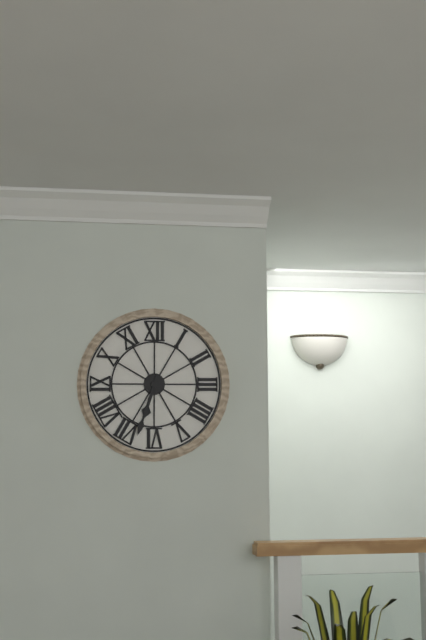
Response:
6.33
